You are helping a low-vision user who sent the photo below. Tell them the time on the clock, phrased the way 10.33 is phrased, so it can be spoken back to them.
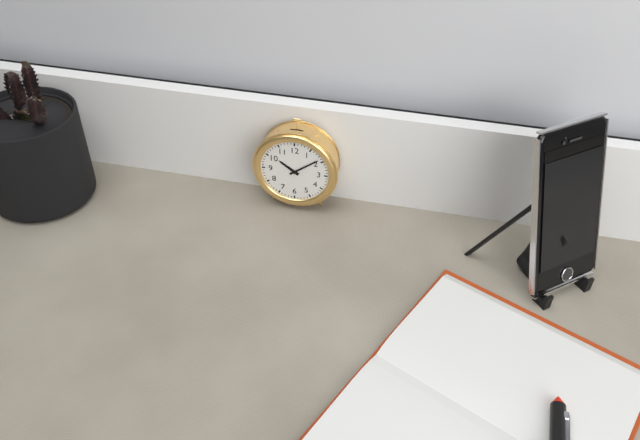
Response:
10.09
